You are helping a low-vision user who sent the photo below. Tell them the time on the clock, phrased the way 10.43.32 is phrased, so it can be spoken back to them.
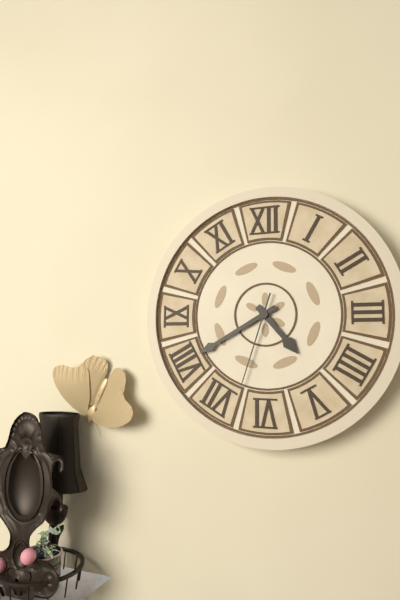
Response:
4.40.33
